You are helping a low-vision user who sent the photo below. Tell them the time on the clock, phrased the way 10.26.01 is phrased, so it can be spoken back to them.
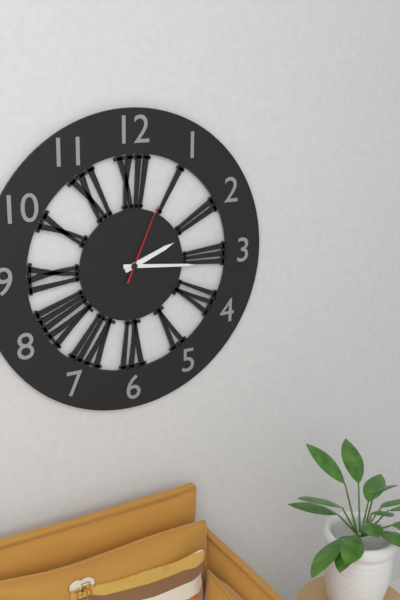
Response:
2.16.04
